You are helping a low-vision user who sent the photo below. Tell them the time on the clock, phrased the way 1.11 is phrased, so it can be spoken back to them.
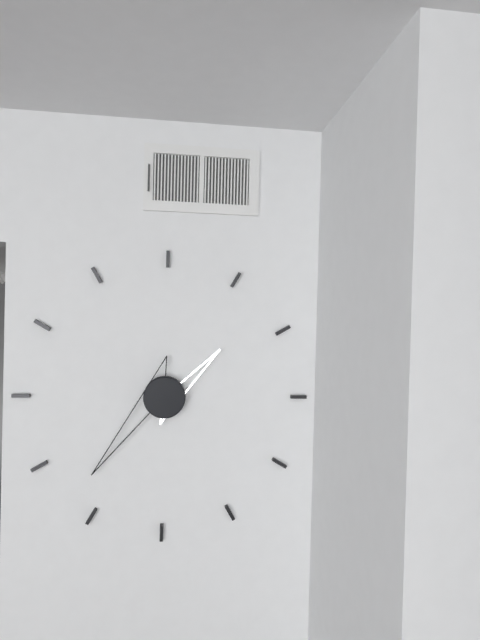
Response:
1.37
